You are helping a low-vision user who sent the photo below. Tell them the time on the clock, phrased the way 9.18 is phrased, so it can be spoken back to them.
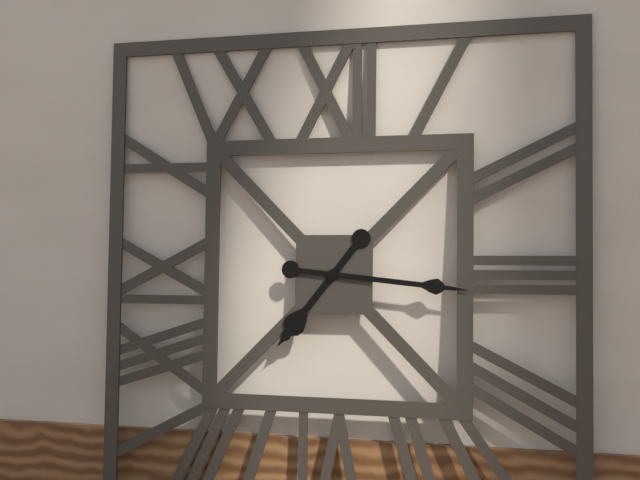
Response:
7.16
